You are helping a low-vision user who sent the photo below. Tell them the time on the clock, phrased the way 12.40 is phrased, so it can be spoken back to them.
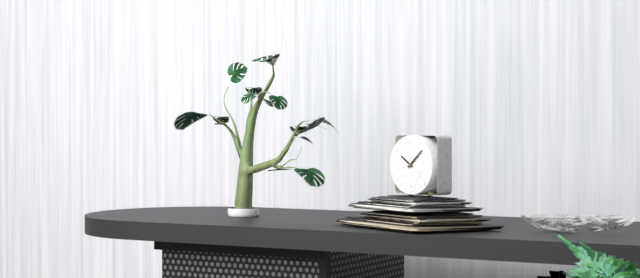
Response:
10.08
